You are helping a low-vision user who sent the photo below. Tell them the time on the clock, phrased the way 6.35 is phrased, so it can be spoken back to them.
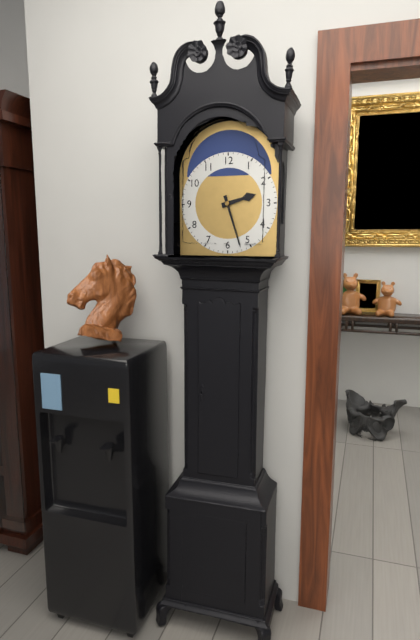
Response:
2.27
